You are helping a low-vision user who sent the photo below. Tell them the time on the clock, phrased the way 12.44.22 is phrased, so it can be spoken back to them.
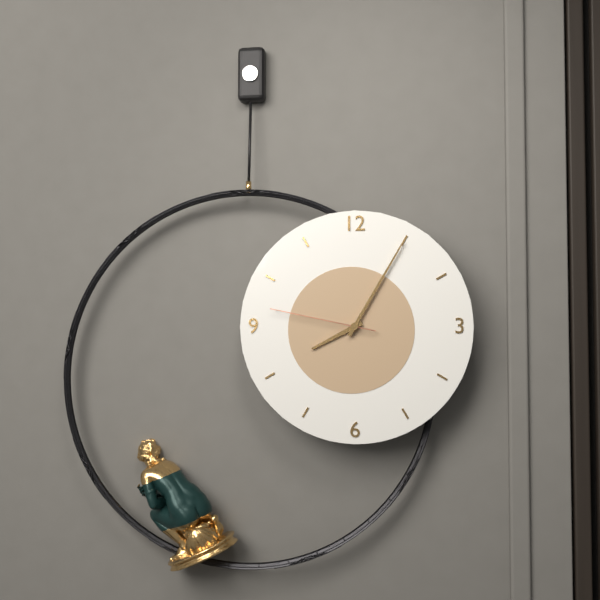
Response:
8.05.47
